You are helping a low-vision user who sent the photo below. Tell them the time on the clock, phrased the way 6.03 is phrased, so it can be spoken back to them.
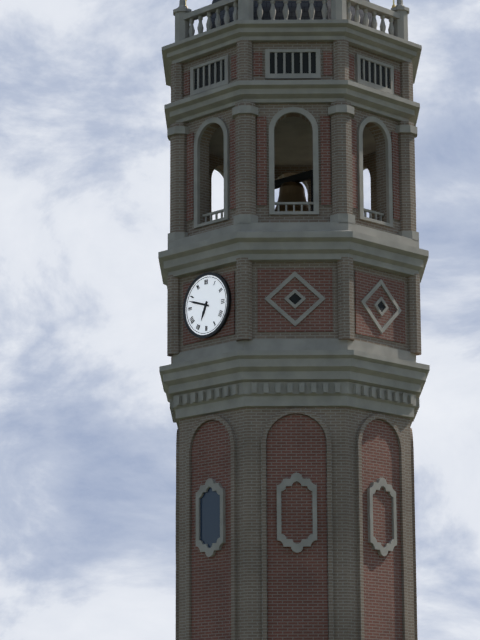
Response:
6.48
